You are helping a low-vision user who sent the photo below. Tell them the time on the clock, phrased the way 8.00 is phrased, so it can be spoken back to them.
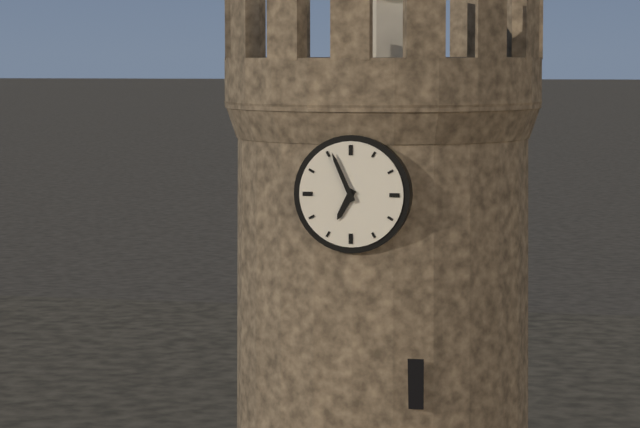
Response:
6.56
